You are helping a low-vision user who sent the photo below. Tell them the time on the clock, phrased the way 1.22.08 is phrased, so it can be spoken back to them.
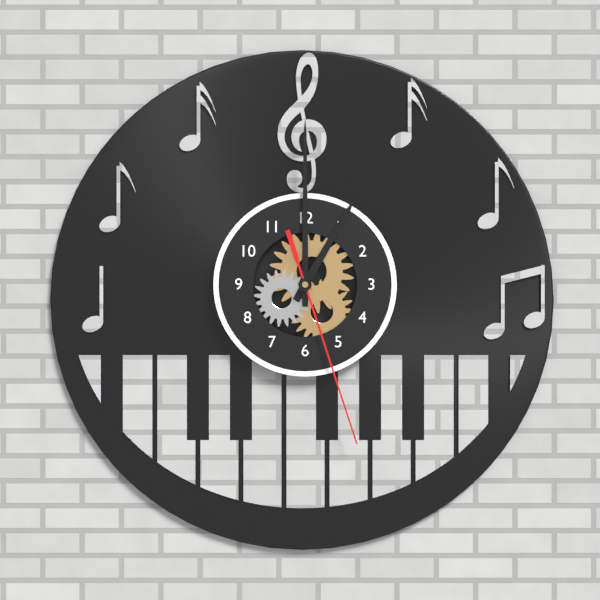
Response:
1.00.27
